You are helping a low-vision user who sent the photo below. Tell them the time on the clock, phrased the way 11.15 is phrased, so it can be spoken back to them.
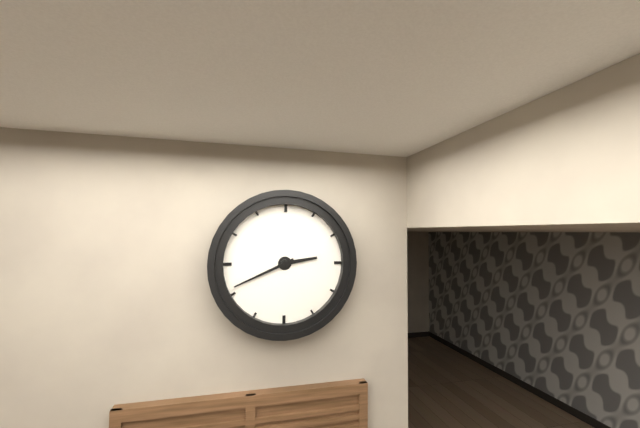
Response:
2.41
